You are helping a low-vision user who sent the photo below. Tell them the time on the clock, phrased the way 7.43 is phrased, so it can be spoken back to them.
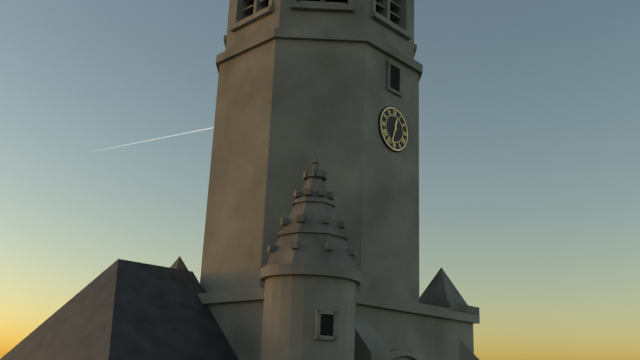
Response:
12.33
